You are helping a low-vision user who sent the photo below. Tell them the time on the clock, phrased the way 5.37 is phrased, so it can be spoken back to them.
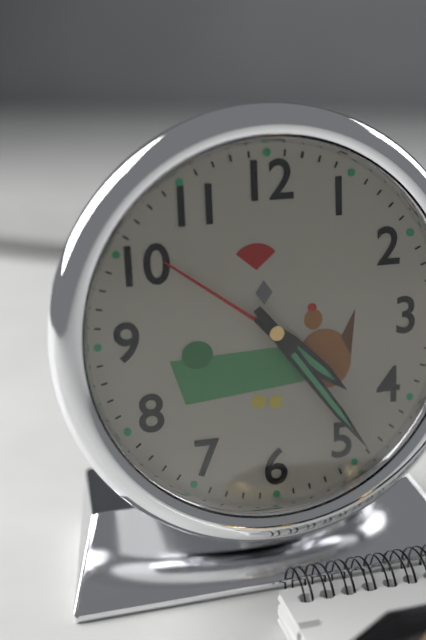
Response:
4.24
